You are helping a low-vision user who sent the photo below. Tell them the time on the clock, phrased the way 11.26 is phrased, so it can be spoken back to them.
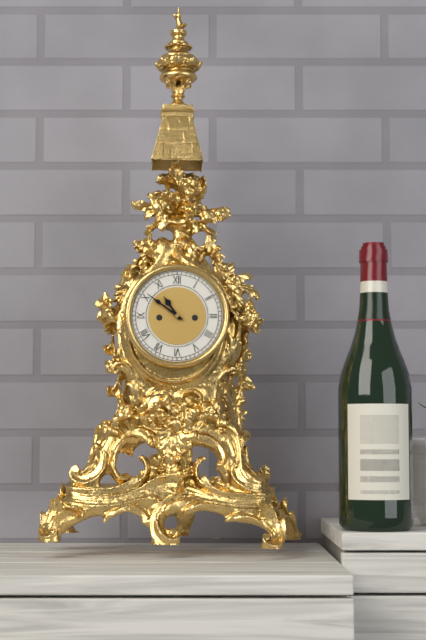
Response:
10.51
